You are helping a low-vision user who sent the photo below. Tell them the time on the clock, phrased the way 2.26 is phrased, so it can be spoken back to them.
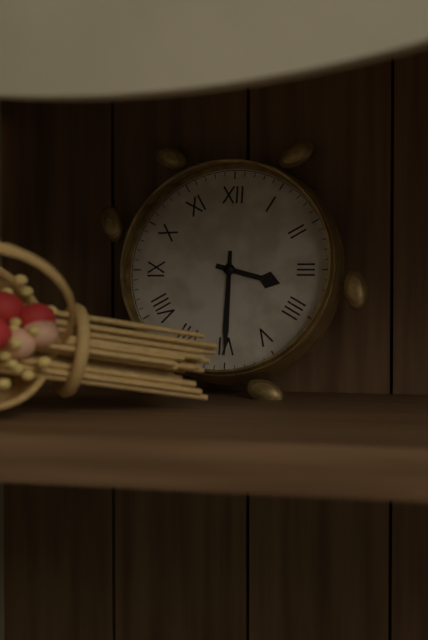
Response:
3.30
